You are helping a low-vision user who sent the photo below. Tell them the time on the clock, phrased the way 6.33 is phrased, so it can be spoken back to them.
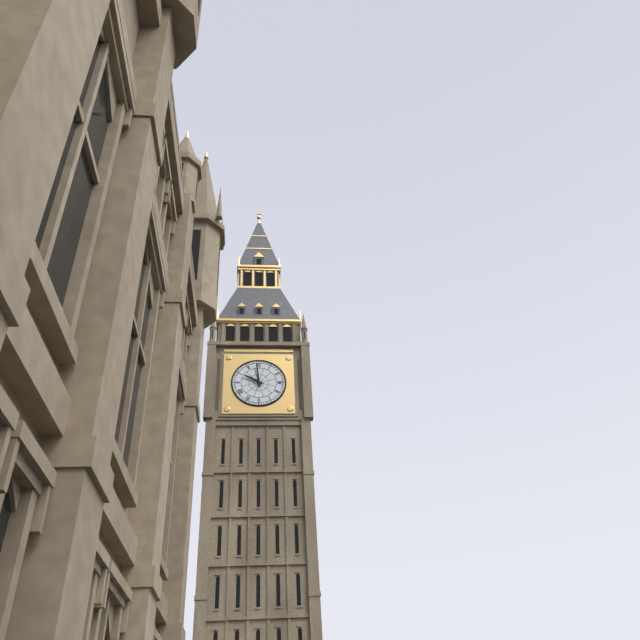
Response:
9.59
